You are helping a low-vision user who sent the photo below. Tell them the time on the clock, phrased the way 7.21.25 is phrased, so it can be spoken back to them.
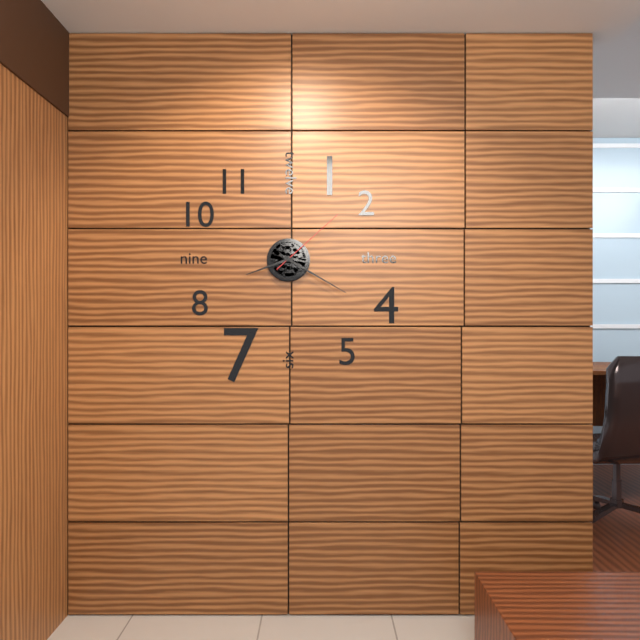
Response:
8.20.08
